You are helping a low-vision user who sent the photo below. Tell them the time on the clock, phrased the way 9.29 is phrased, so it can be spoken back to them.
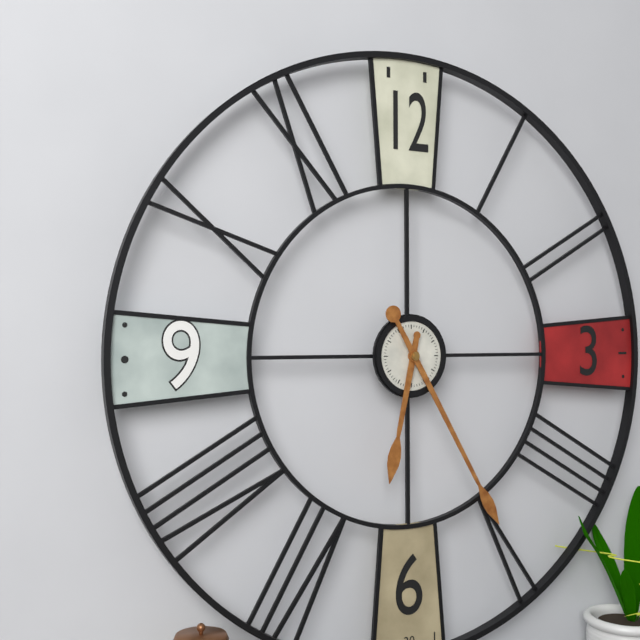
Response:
6.25
